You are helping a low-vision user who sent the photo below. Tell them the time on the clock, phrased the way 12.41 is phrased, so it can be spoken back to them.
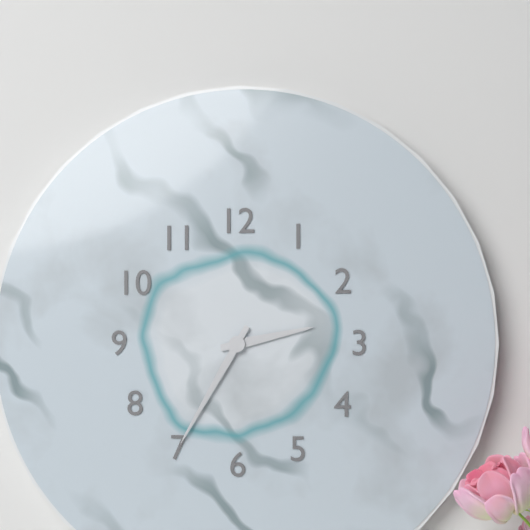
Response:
2.35
